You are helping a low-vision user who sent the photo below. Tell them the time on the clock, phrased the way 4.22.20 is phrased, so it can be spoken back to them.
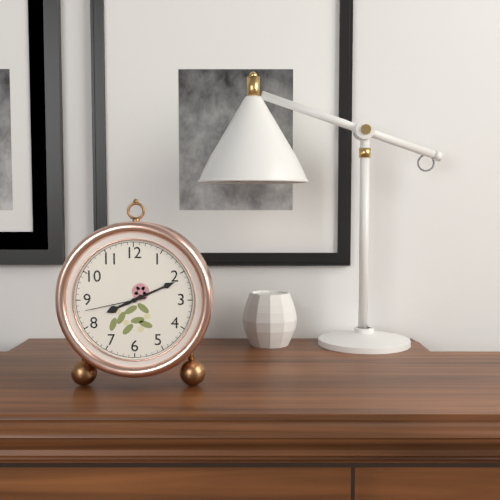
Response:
8.11.43
